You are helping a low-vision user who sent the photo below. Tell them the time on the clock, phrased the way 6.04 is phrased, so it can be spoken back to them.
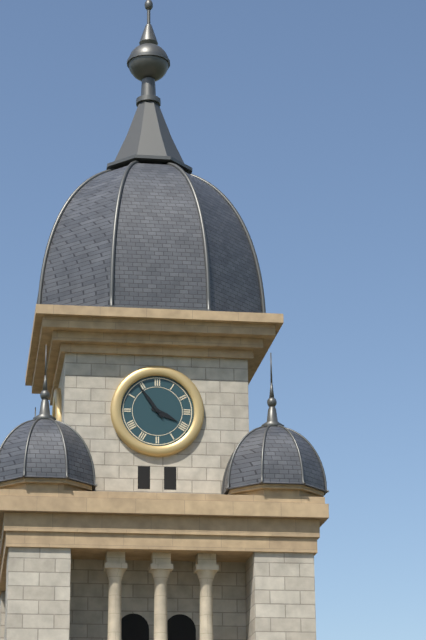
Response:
3.54
